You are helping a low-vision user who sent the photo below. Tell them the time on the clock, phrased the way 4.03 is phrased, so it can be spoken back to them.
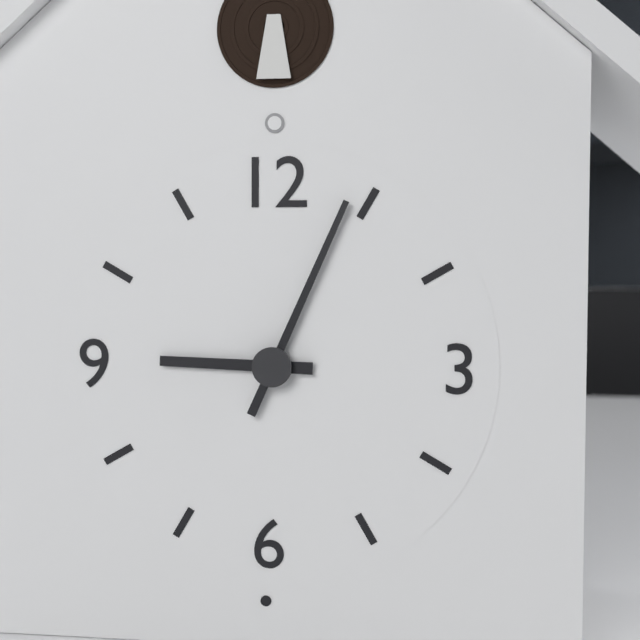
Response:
9.04
